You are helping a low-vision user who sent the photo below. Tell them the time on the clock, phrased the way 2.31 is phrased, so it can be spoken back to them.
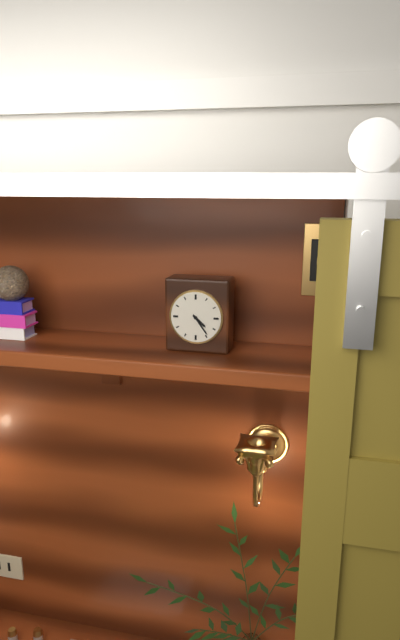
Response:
4.24
